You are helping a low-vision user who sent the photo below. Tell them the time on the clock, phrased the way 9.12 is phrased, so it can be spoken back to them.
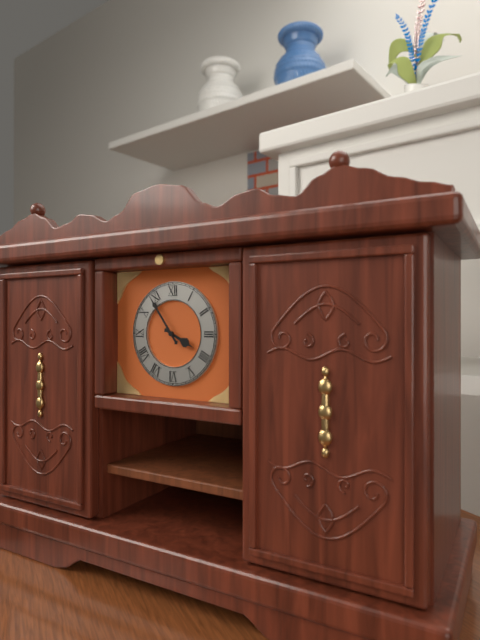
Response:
3.54
